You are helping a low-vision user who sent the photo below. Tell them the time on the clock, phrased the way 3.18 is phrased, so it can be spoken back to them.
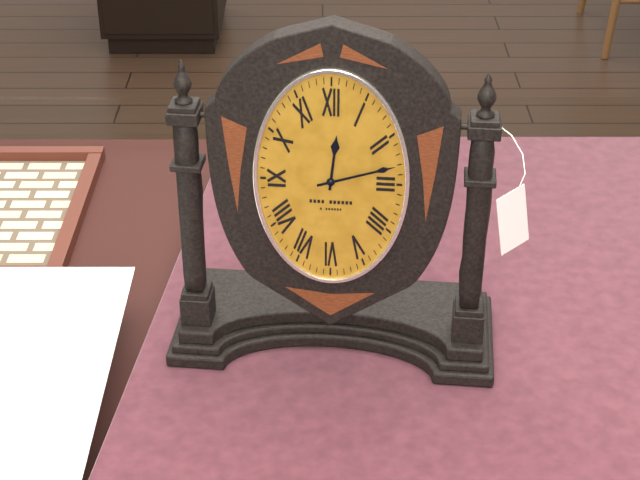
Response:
12.12
